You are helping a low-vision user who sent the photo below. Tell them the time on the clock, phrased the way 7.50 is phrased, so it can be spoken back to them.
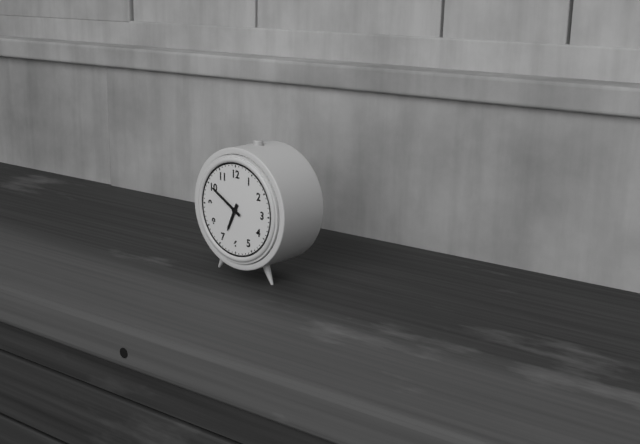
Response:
6.50
